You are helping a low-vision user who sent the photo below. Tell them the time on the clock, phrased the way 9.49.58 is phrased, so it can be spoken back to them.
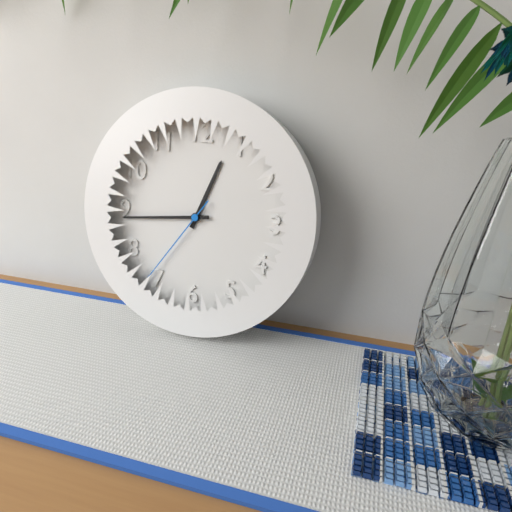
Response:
12.44.36
